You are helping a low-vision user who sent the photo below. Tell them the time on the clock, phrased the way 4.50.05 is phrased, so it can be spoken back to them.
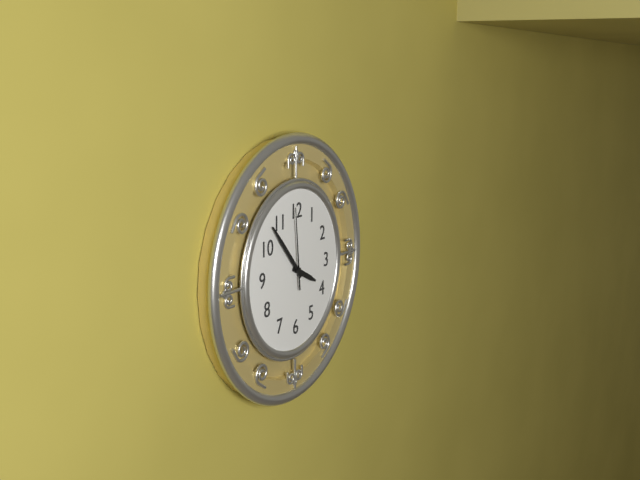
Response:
3.53.59
